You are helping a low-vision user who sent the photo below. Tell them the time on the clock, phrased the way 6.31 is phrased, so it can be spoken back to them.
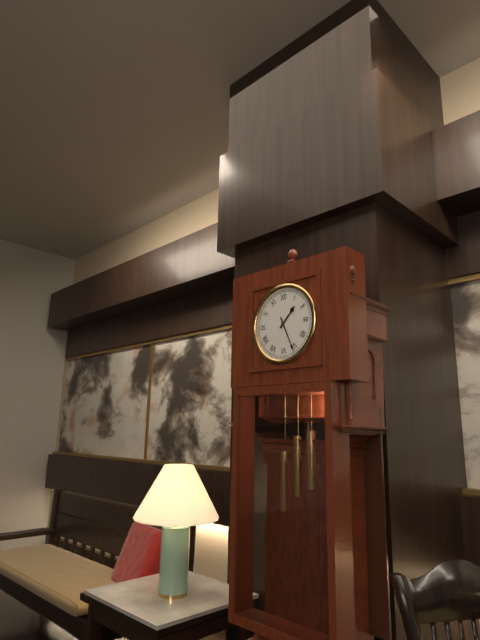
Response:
1.26
